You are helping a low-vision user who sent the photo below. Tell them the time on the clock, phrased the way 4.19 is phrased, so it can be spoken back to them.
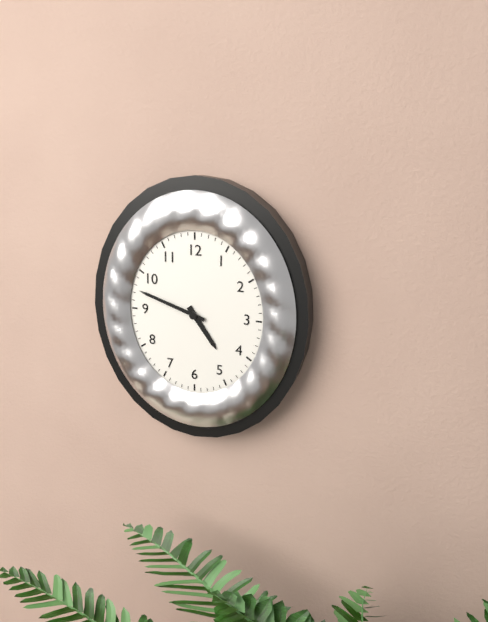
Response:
4.48
